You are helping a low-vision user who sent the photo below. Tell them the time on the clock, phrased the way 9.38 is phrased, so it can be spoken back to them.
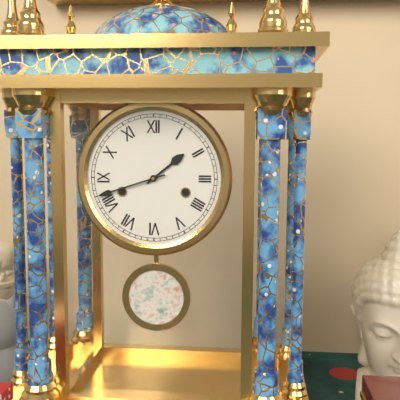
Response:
1.42
